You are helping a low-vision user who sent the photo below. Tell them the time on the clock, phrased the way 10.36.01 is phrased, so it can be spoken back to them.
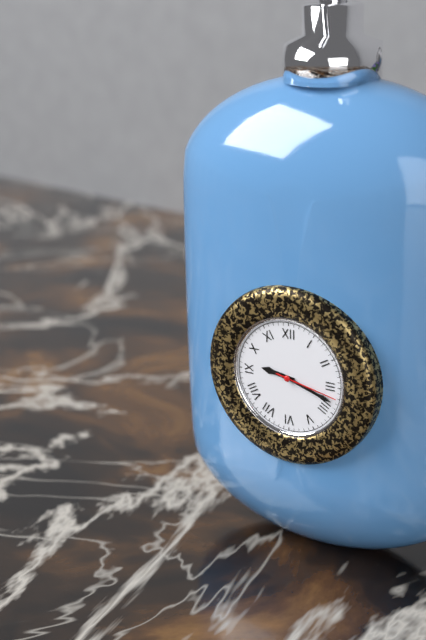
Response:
9.18.17
